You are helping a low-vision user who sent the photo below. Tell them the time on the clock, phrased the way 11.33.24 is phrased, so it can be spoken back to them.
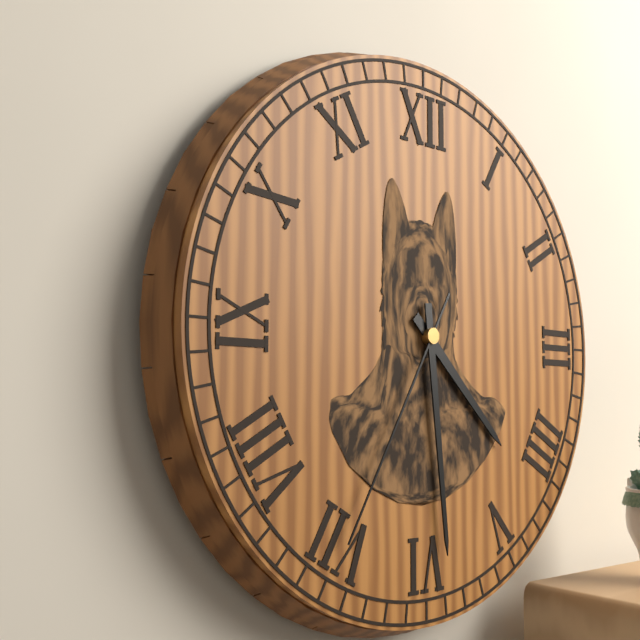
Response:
4.29.35
